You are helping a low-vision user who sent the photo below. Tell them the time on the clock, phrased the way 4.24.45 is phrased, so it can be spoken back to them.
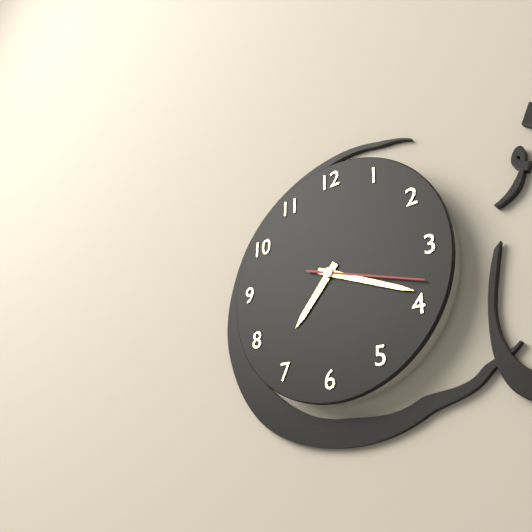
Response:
7.19.18
